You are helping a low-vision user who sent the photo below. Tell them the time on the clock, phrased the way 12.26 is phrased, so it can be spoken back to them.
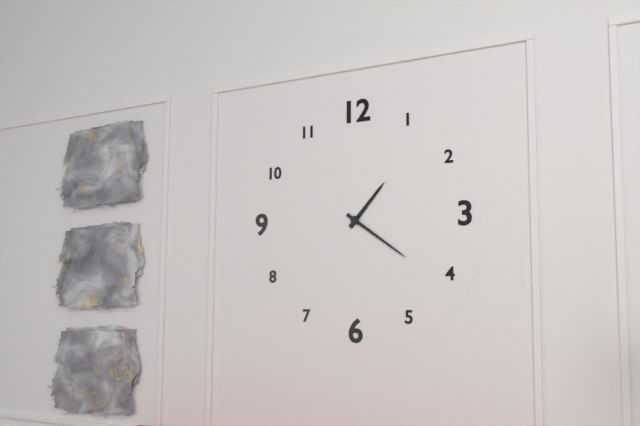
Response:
1.21
